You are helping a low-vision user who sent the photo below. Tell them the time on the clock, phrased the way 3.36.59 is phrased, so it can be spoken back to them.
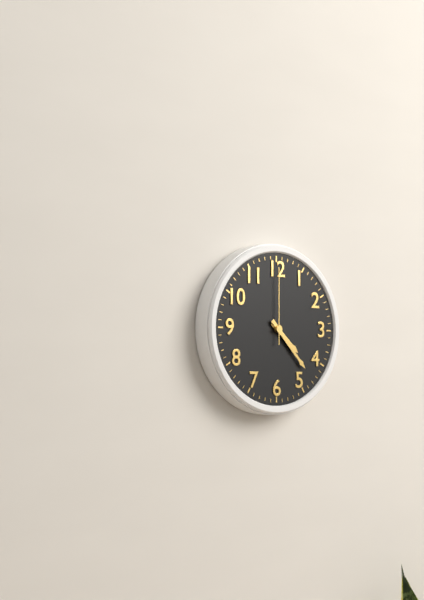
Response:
4.23.00
